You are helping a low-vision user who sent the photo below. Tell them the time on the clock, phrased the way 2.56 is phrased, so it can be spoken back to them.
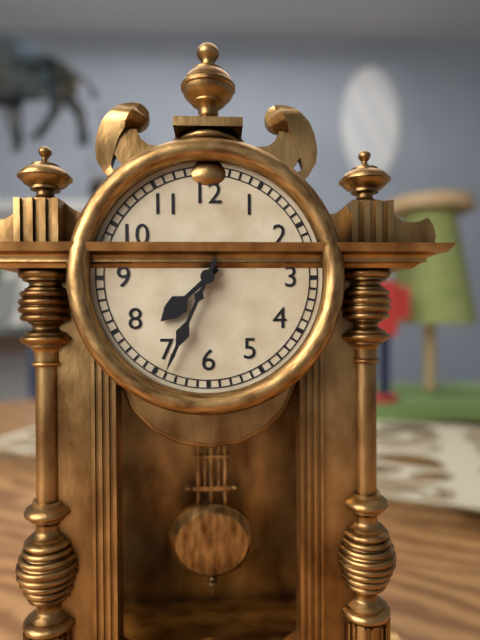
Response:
7.34
